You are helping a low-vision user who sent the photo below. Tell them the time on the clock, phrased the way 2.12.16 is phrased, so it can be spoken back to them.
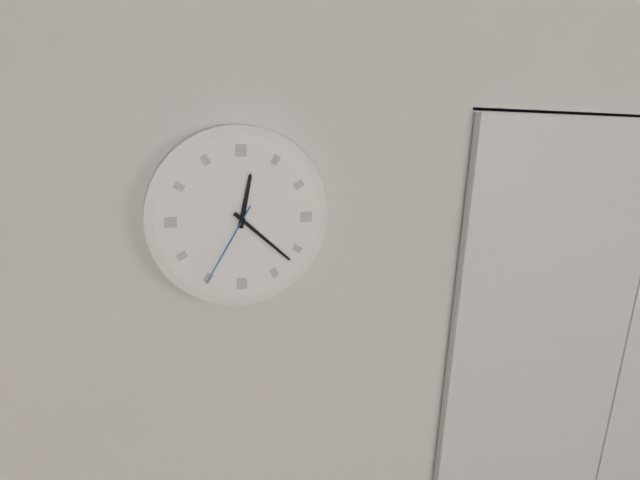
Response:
12.22.35
